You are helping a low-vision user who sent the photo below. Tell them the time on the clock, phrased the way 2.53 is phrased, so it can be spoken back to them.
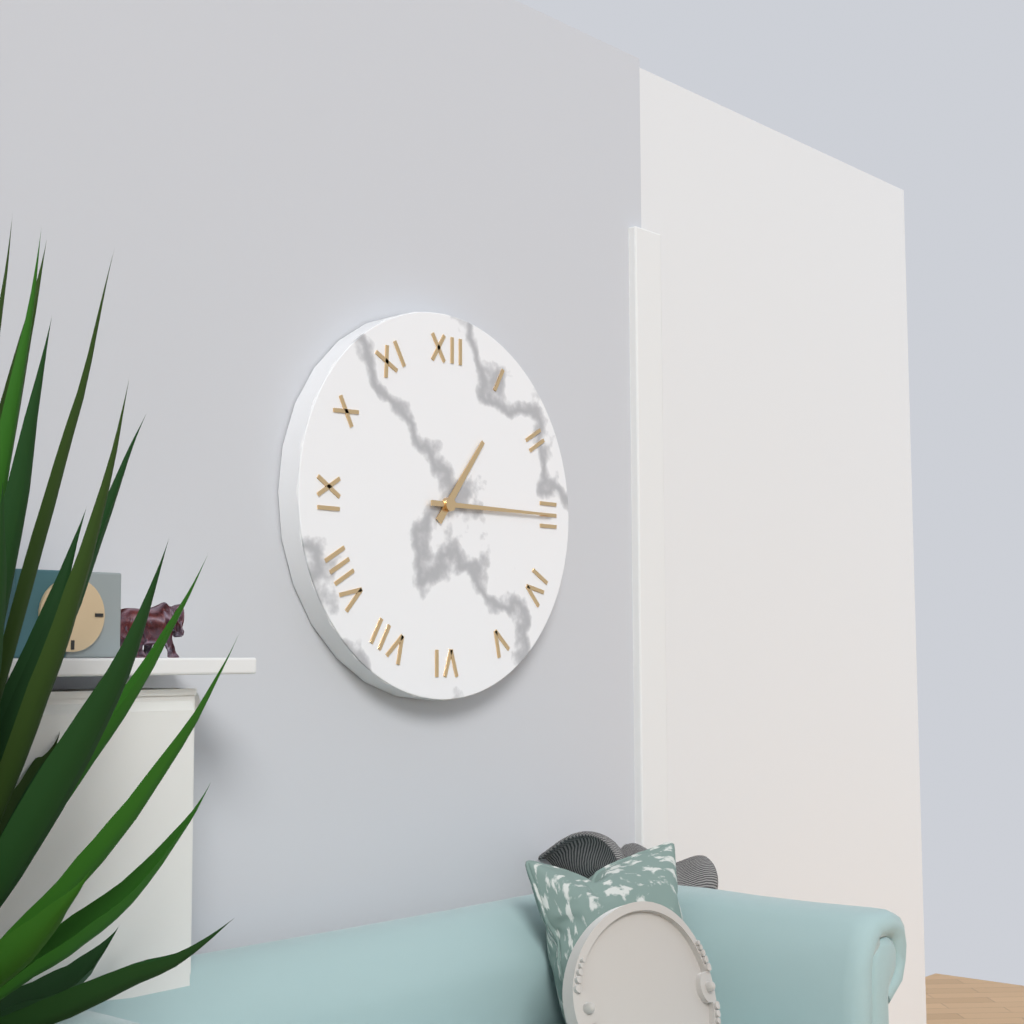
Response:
1.15
